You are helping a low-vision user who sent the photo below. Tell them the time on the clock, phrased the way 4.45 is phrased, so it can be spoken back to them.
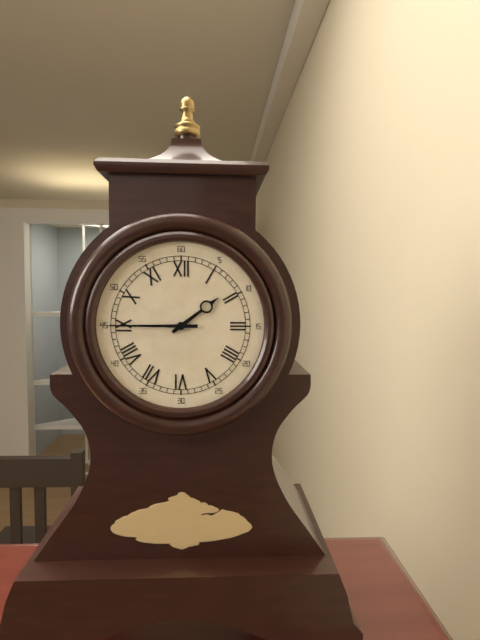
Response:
1.45
